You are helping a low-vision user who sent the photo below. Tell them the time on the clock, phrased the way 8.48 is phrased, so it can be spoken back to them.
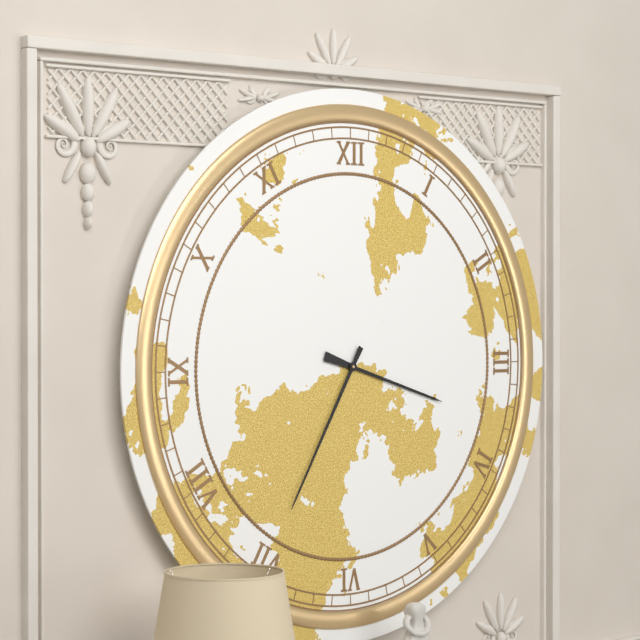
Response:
3.35
